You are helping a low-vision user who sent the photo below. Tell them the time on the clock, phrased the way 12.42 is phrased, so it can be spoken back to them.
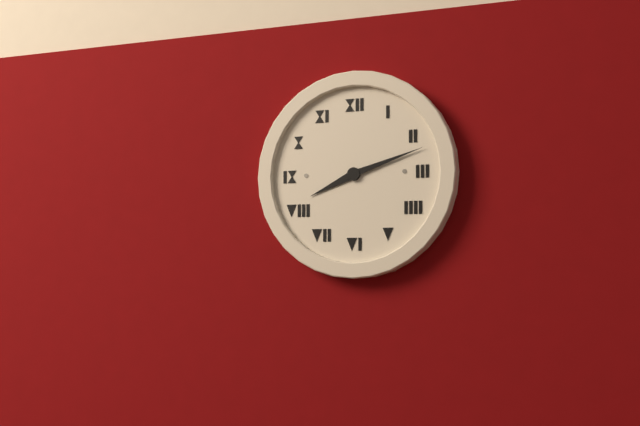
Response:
8.12
